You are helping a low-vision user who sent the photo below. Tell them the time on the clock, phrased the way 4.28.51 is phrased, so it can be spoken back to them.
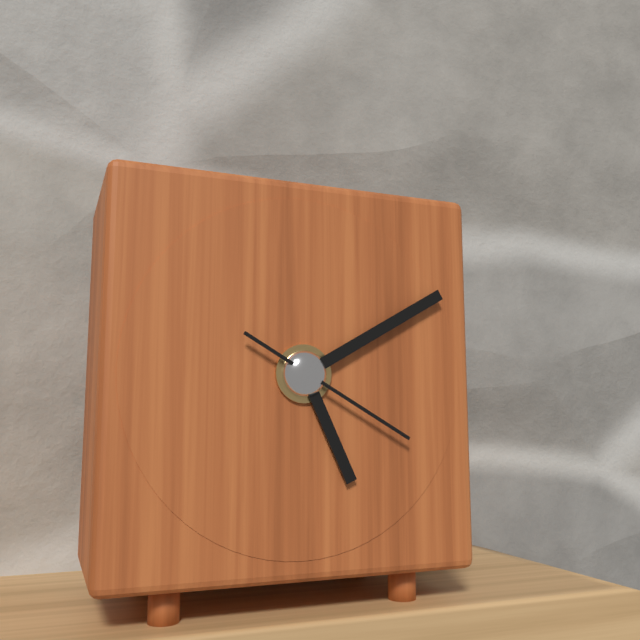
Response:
5.10.20
